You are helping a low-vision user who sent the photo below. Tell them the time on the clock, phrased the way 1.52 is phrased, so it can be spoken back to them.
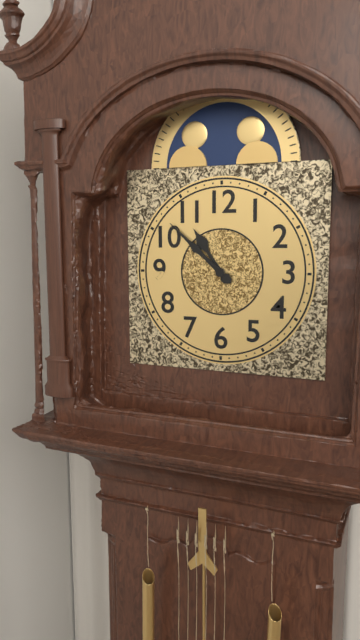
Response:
10.52
